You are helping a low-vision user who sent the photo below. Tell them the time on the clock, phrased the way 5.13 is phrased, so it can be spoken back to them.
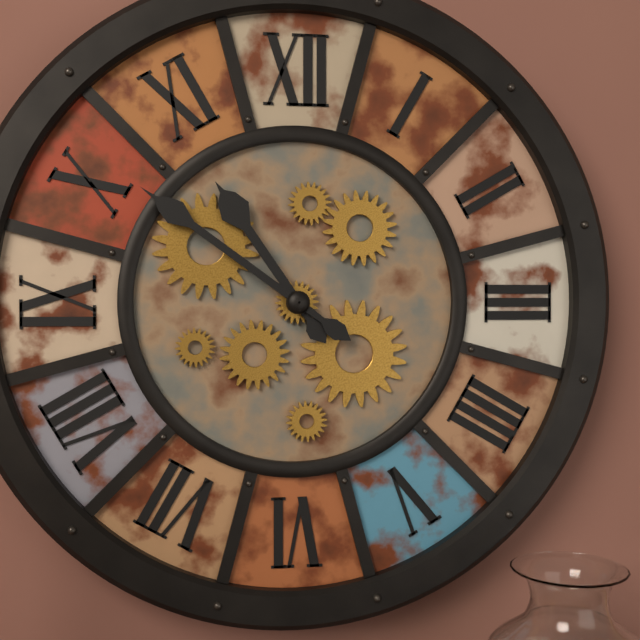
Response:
10.51
